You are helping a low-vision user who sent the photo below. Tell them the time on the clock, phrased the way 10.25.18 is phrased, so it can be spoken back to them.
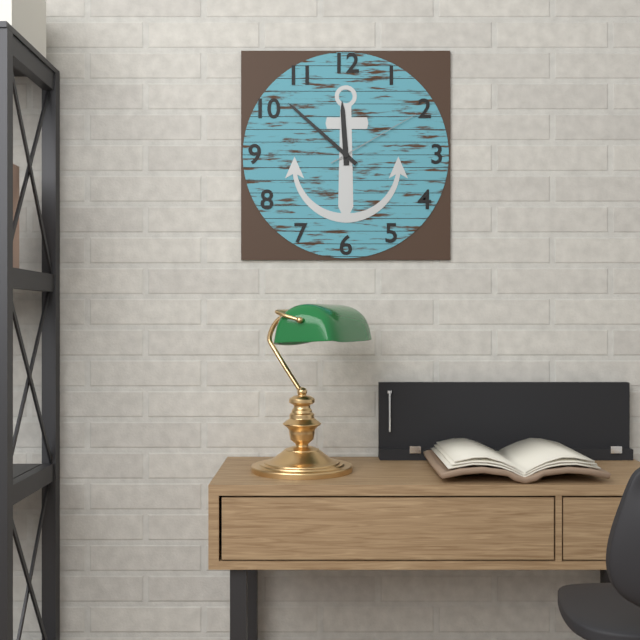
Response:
11.52.10
